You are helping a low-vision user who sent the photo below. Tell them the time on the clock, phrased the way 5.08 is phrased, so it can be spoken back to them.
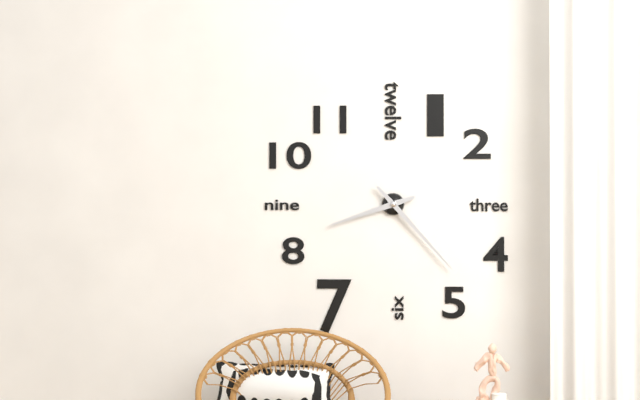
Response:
8.23
